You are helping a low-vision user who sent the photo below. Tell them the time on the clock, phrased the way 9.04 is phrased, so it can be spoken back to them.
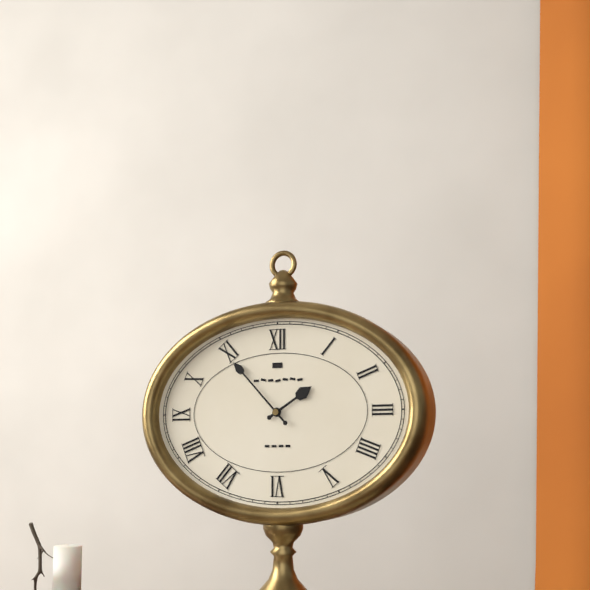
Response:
1.53
